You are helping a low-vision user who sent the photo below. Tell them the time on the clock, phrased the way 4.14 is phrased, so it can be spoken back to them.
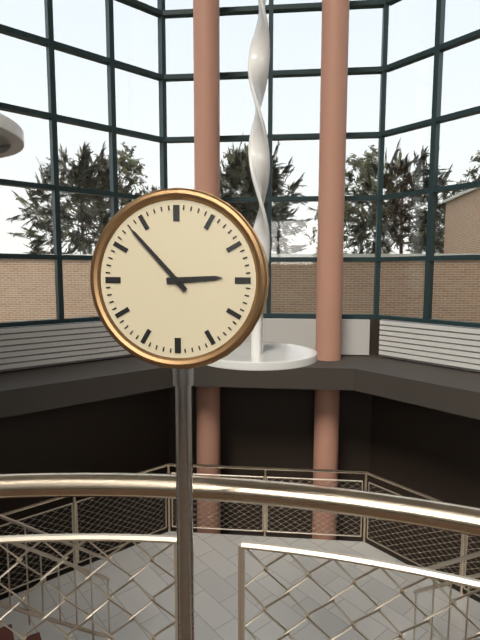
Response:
2.53
